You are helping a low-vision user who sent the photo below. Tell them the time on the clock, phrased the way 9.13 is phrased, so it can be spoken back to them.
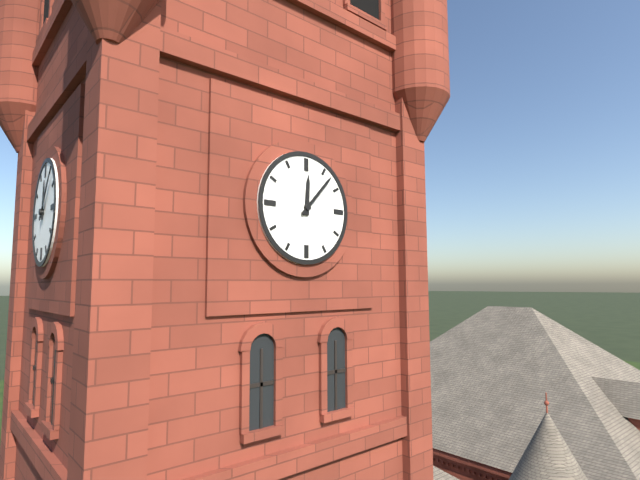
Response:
12.07
